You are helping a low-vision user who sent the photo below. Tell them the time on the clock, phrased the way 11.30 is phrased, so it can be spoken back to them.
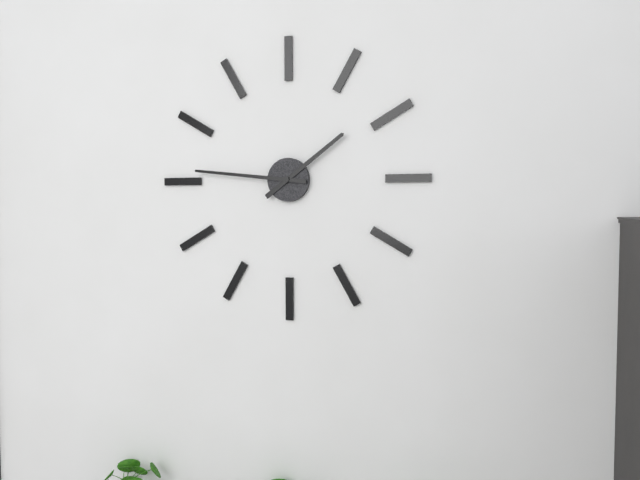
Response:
1.46
